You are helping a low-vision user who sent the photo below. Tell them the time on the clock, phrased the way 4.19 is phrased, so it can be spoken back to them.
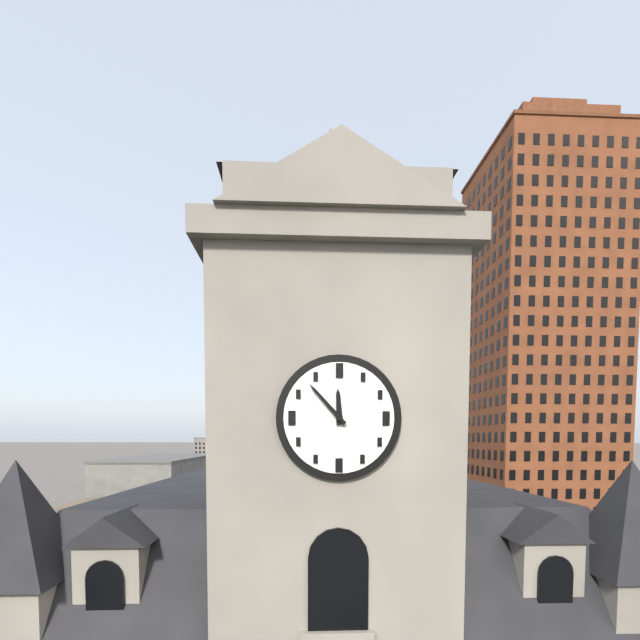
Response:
11.53
